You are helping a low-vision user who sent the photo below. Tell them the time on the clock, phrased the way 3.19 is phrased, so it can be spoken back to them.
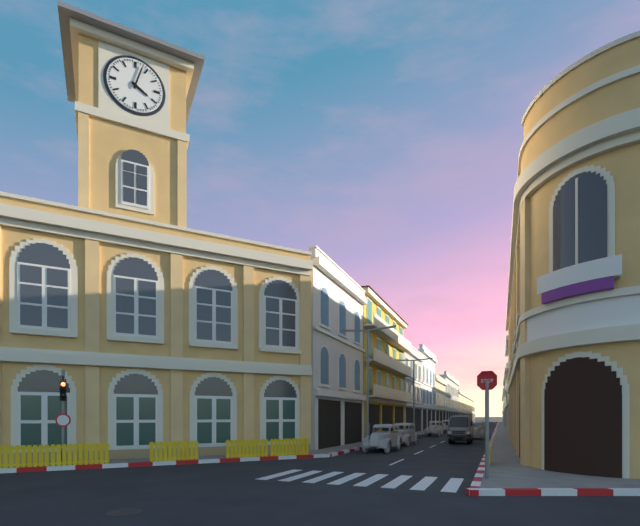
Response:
4.03
